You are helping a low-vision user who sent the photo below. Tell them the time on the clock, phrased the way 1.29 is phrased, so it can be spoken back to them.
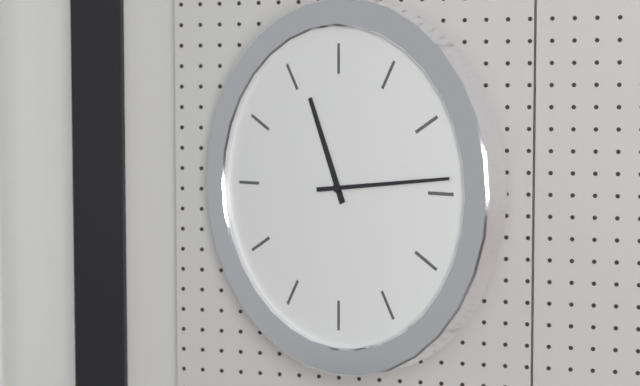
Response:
11.14
